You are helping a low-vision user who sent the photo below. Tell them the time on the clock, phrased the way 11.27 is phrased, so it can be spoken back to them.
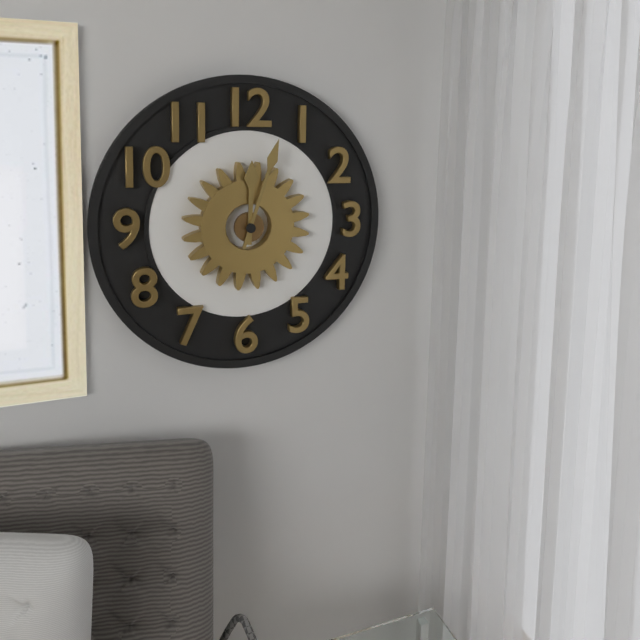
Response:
12.03
